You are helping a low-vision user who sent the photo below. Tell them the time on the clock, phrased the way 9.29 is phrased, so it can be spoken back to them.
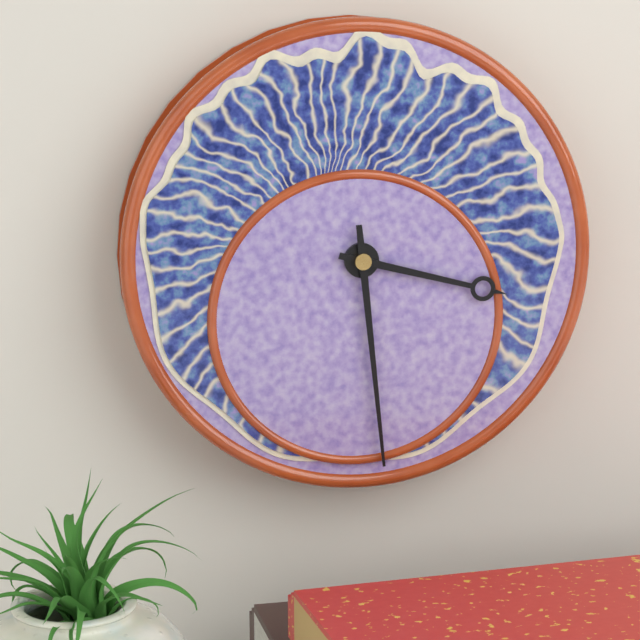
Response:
3.29
